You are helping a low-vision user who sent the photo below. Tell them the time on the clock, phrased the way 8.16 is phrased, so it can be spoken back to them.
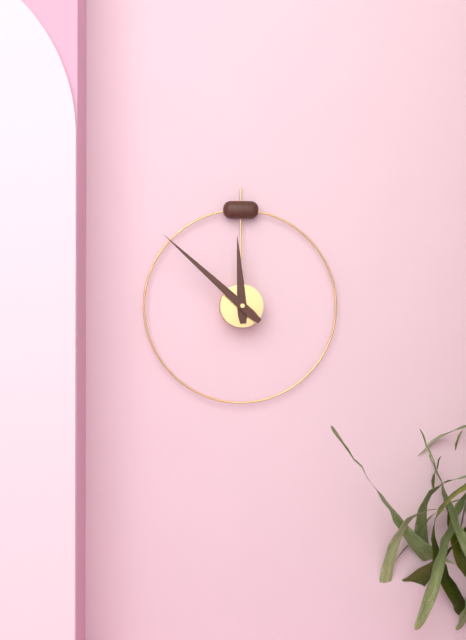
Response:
11.52
